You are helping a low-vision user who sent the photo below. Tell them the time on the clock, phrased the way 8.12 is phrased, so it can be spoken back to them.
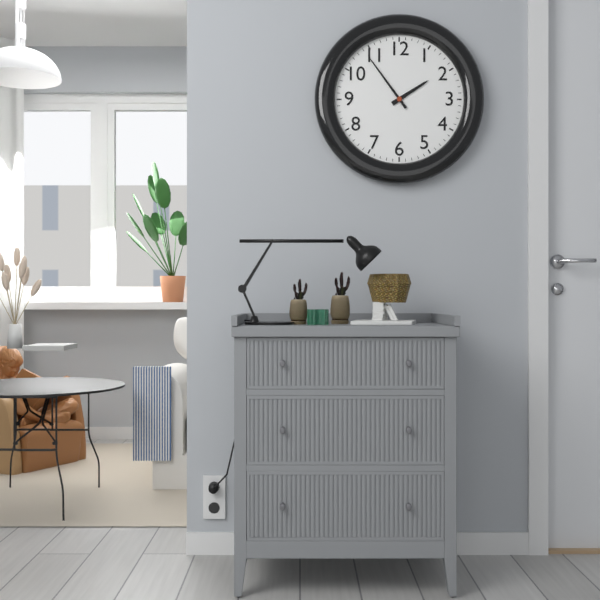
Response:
1.54
